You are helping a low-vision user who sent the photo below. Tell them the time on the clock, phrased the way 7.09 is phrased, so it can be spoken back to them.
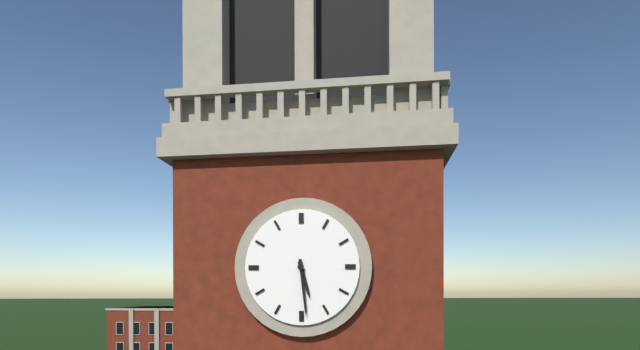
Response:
5.29
